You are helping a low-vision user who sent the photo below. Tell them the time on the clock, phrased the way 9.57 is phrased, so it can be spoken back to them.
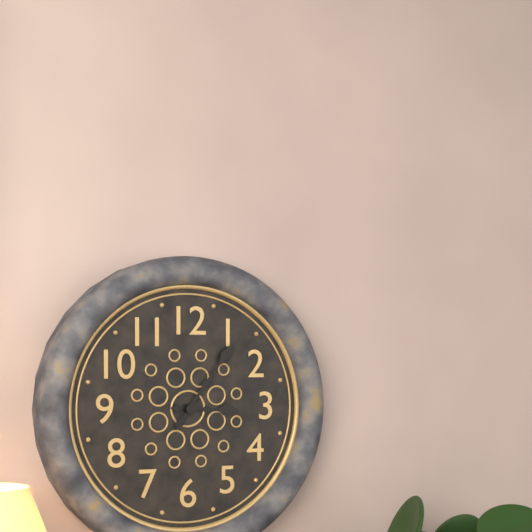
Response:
3.06
